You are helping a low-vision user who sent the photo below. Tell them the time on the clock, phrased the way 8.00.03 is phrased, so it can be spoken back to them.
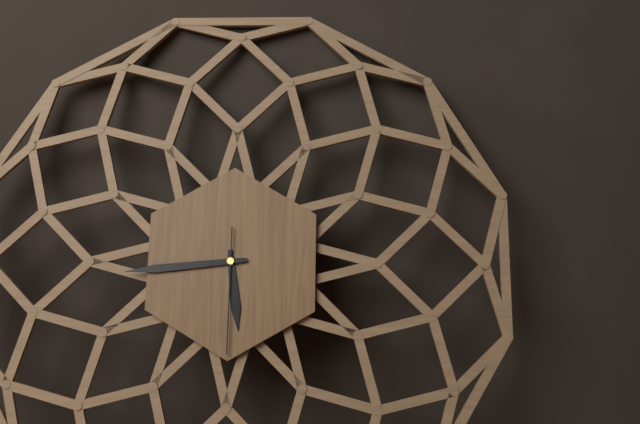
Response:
5.44.30
